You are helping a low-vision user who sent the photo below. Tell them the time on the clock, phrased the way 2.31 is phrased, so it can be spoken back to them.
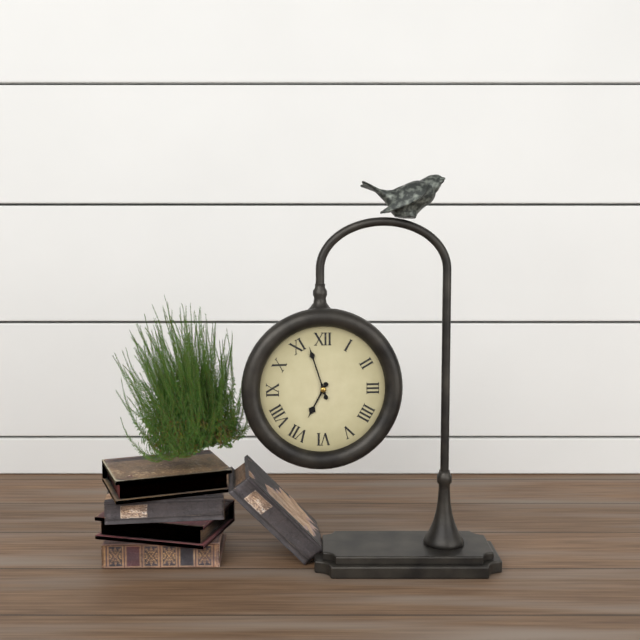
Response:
6.57
